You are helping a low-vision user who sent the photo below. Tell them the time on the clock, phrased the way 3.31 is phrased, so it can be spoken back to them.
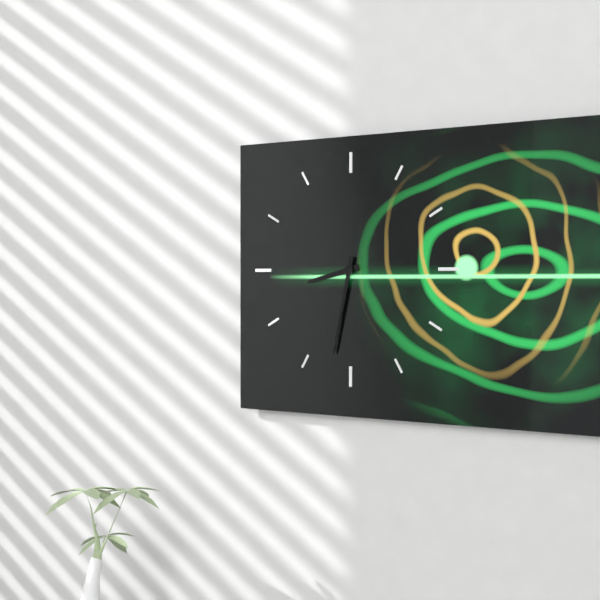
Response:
8.32
